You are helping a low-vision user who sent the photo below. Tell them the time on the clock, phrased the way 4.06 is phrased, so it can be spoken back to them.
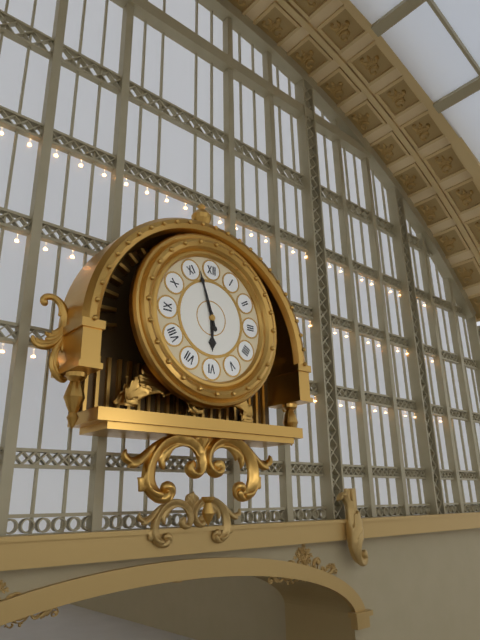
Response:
5.57
